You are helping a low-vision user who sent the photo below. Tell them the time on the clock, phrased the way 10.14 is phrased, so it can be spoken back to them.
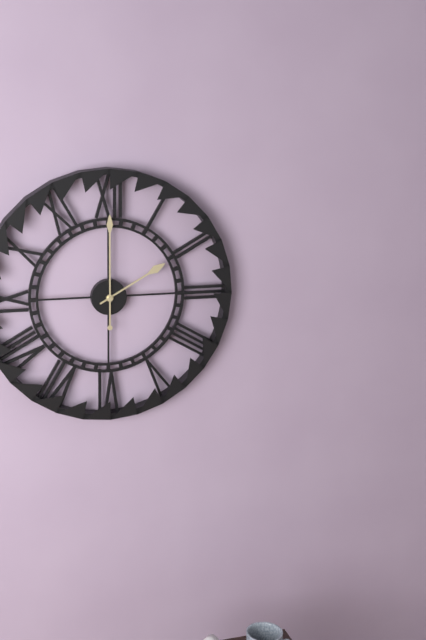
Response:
2.00
